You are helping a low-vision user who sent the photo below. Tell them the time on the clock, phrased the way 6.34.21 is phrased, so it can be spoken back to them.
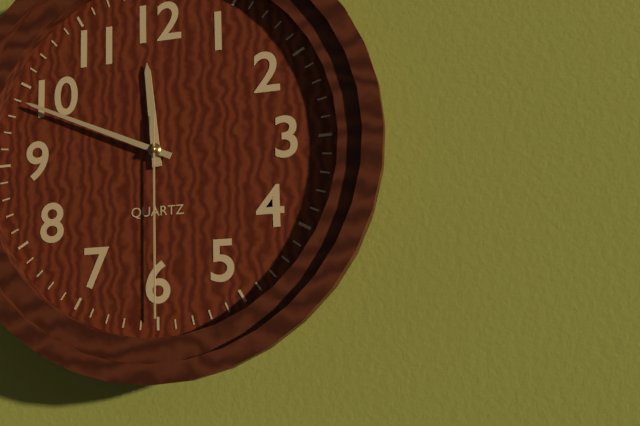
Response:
11.49.30
